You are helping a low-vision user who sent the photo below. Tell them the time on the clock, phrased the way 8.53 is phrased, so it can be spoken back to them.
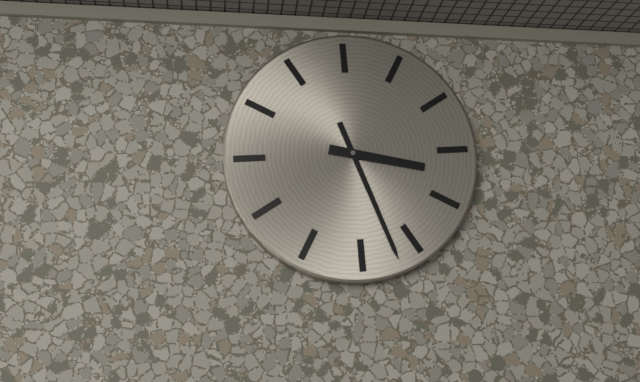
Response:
3.27
